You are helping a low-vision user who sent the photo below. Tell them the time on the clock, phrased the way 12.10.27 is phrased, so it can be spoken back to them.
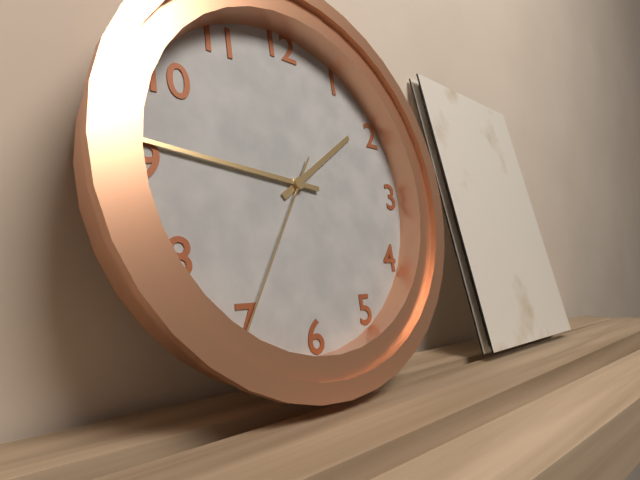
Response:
1.46.35
